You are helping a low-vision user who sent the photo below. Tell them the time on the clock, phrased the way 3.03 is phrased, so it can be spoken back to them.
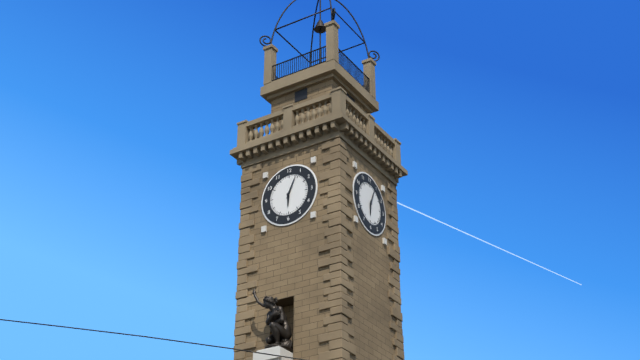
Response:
6.04
